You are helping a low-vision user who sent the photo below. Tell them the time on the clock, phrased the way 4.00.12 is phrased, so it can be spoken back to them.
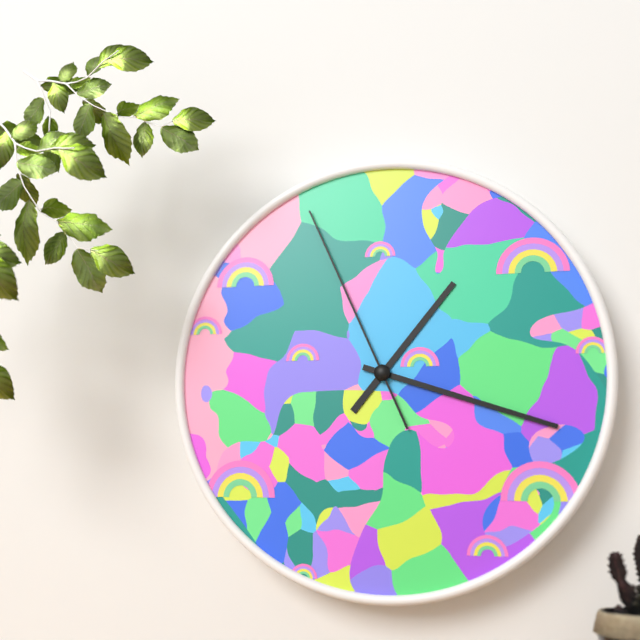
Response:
1.18.56
